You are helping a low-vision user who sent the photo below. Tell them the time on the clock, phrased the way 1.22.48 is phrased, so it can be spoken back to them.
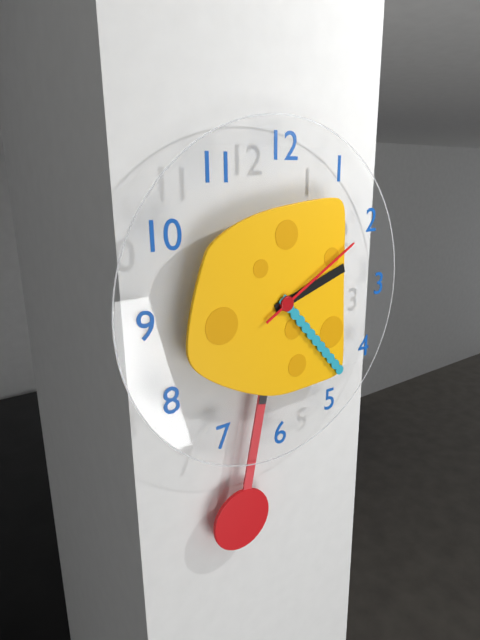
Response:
2.23.10
